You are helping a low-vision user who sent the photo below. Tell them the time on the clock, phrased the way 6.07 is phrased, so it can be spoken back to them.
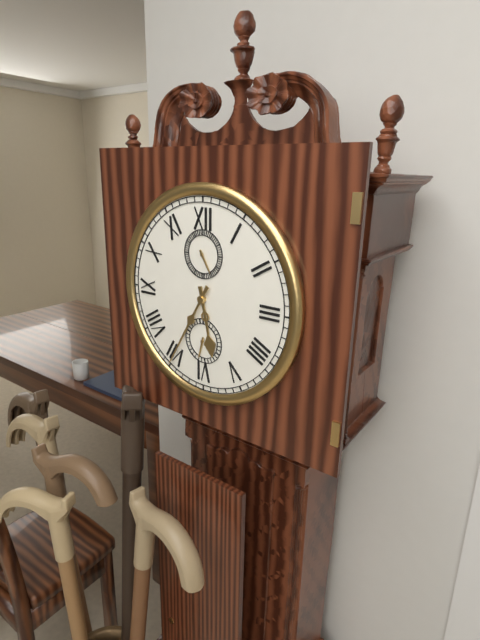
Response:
5.35
